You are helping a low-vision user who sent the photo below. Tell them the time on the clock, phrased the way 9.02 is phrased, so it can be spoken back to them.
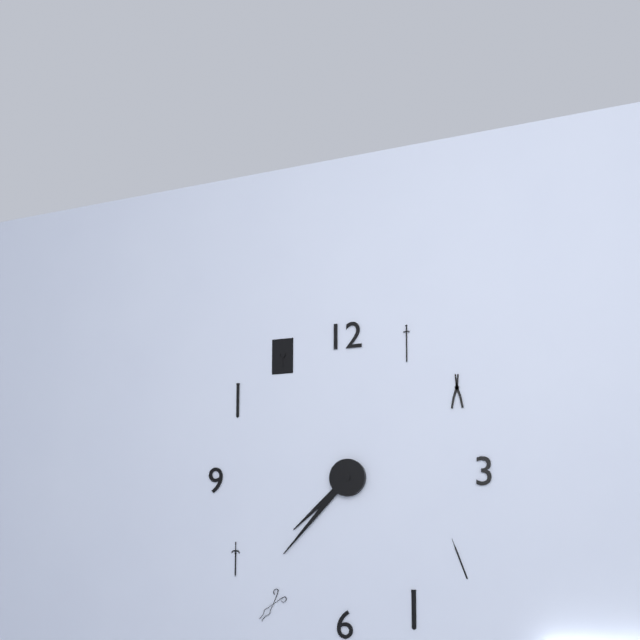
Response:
7.37
